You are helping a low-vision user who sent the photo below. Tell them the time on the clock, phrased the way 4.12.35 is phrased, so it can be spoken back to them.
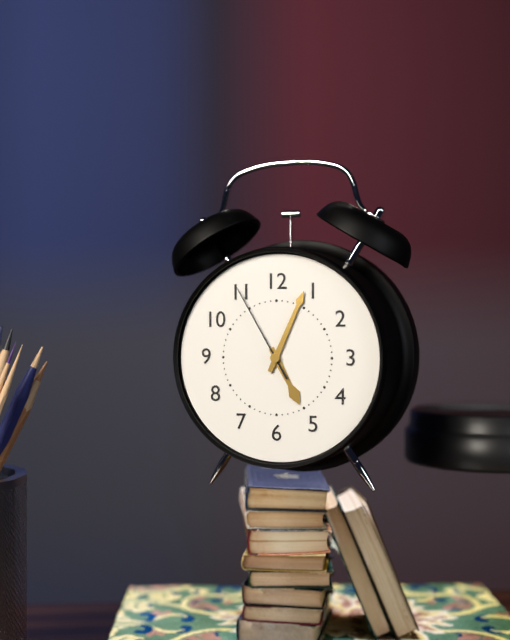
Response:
5.04.55
